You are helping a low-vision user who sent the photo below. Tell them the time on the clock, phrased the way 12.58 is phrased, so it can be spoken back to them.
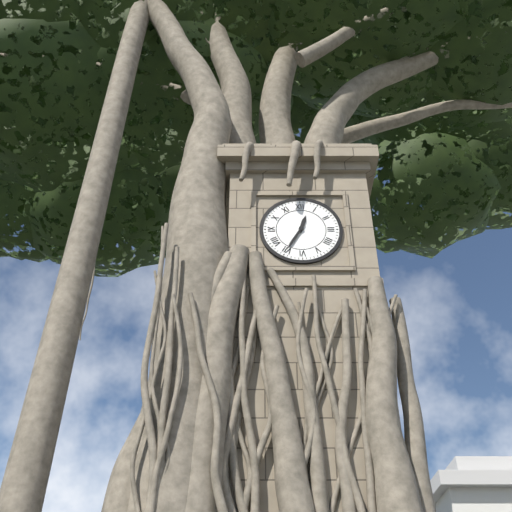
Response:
12.35
